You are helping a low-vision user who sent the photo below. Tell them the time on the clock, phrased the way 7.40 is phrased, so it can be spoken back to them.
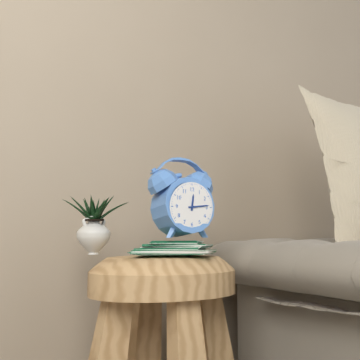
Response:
12.14
